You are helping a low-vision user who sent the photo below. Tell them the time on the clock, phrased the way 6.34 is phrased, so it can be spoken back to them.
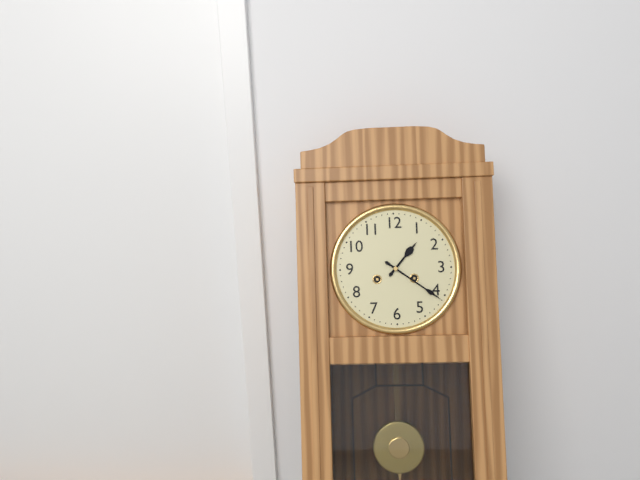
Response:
1.21
